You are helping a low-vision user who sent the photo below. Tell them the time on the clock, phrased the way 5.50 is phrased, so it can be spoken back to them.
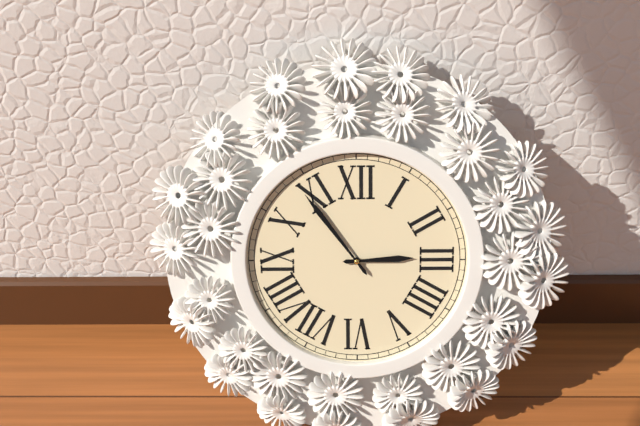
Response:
2.54
